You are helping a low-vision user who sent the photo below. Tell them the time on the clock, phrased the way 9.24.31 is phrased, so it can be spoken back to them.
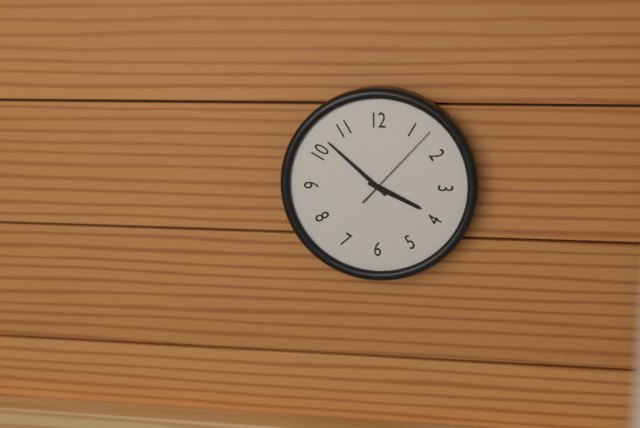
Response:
3.52.07
